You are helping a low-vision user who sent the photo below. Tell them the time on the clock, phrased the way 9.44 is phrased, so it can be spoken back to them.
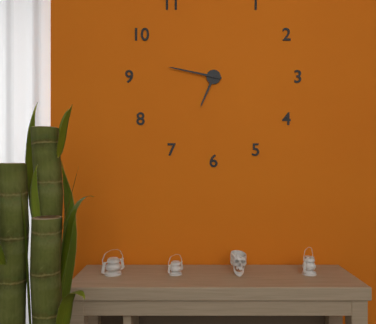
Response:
6.47
